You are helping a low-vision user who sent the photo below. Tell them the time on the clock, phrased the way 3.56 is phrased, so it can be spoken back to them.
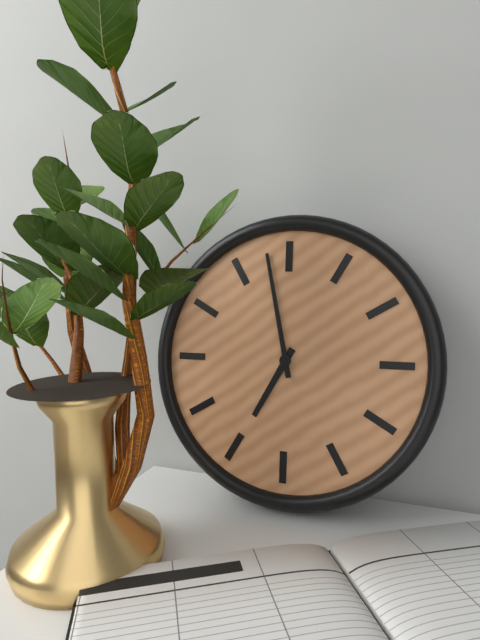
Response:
6.58
